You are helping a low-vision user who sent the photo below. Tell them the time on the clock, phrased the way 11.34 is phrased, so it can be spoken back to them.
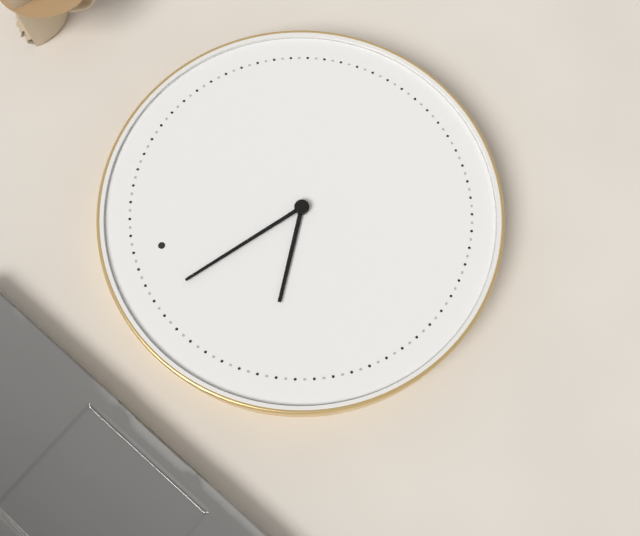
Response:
9.57
